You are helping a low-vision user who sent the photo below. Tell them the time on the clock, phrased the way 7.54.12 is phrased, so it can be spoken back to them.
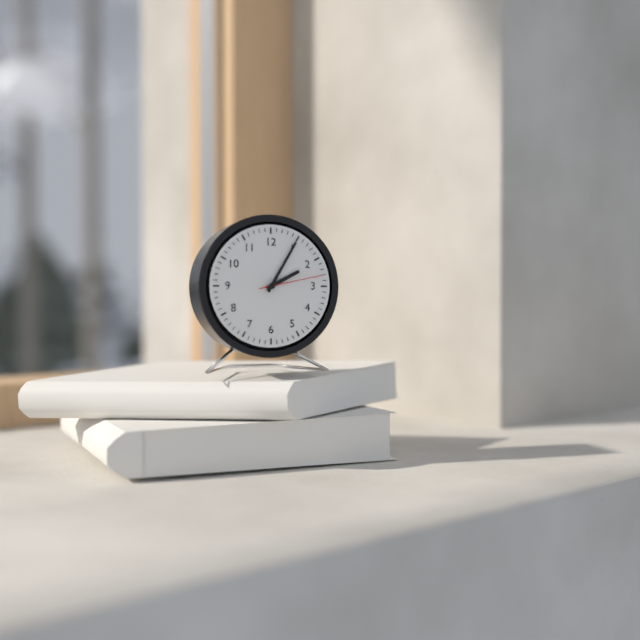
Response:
2.05.13
